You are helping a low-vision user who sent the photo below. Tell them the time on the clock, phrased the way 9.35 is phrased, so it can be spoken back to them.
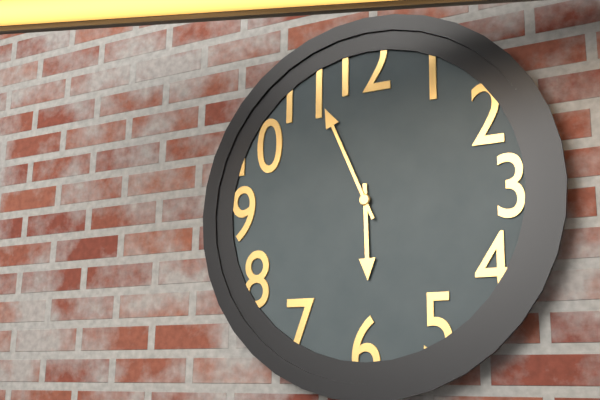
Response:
5.56
